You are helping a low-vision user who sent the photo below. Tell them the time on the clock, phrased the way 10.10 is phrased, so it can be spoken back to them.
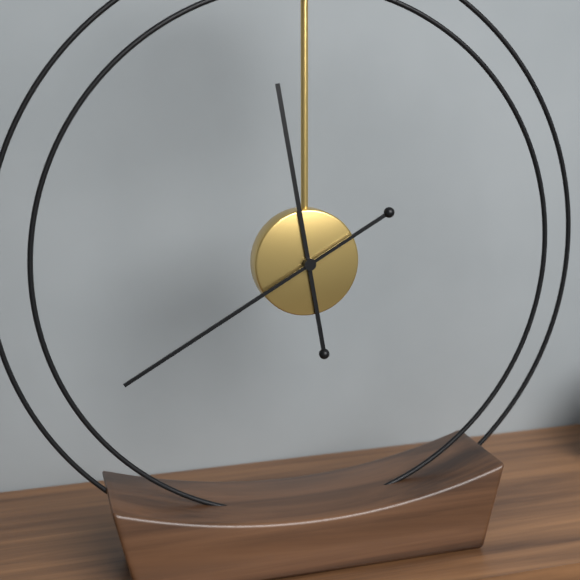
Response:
11.40
